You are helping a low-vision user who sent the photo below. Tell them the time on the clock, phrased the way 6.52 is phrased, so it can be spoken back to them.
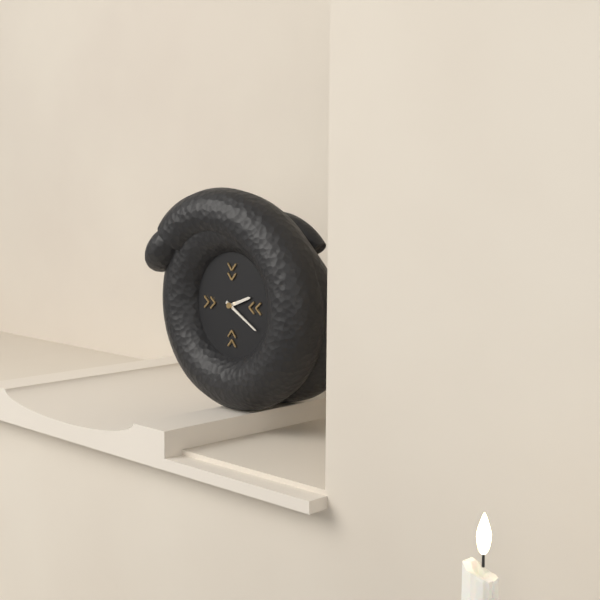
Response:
2.20
